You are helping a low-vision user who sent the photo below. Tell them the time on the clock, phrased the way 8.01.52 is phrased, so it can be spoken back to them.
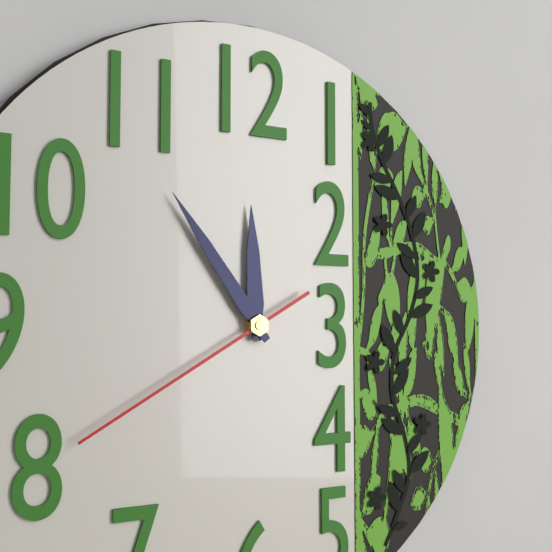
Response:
11.54.40
